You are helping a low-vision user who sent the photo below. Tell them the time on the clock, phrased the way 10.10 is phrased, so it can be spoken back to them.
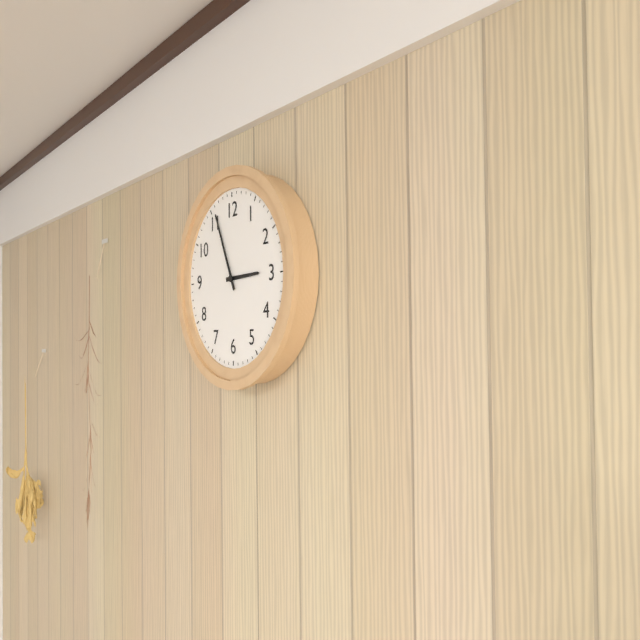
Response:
2.56
